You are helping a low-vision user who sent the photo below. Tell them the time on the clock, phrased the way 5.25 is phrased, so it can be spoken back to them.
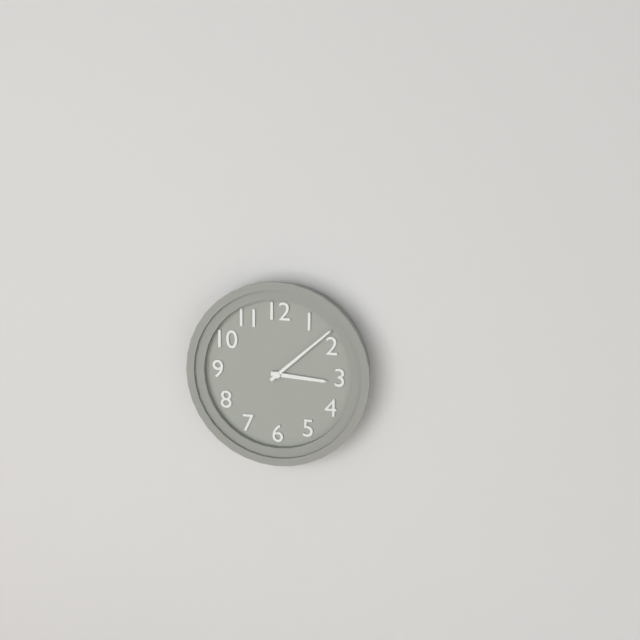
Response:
3.08
